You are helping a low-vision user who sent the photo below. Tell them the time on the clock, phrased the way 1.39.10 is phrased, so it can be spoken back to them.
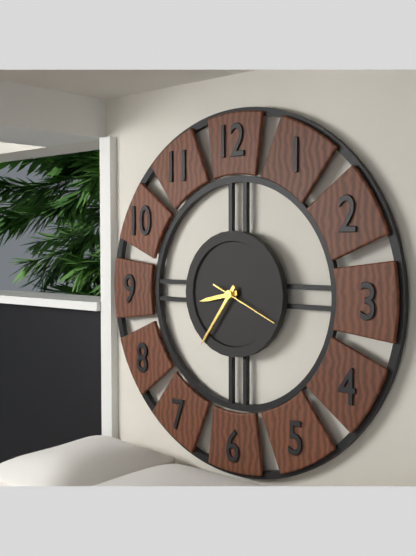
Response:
8.36.19
